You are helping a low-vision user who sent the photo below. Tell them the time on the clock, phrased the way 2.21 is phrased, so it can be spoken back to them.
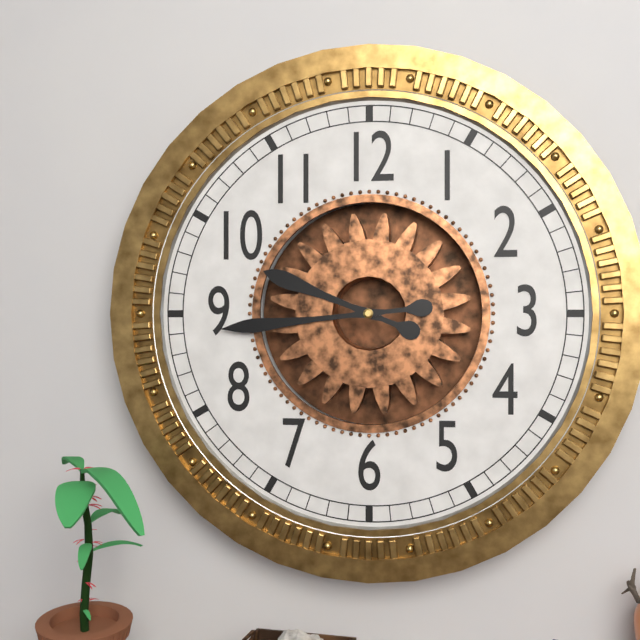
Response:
9.44
